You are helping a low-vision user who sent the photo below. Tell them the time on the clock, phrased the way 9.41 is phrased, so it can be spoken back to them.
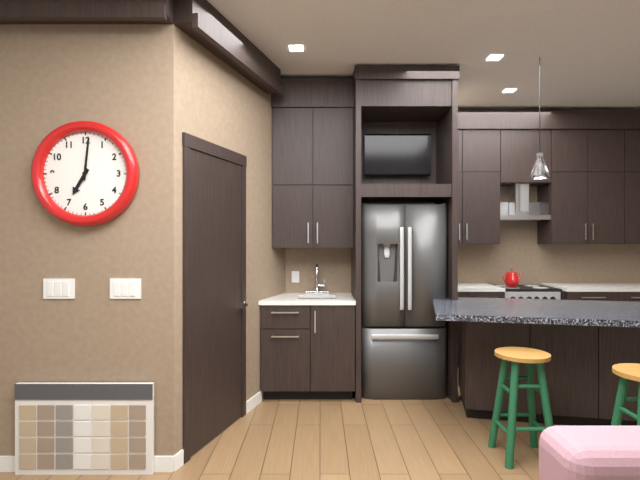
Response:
7.01
